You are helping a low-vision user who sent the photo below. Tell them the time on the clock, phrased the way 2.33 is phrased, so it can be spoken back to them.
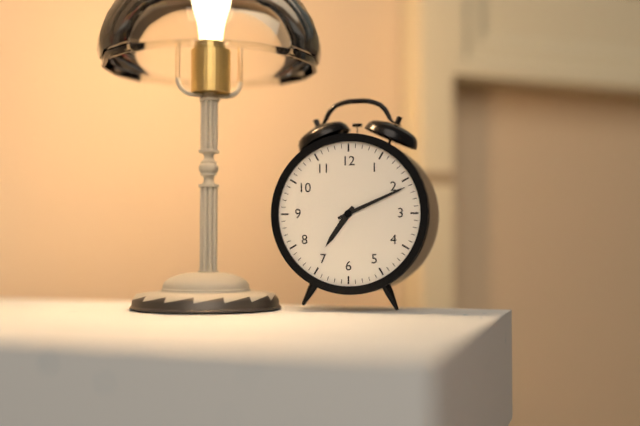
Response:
7.11
